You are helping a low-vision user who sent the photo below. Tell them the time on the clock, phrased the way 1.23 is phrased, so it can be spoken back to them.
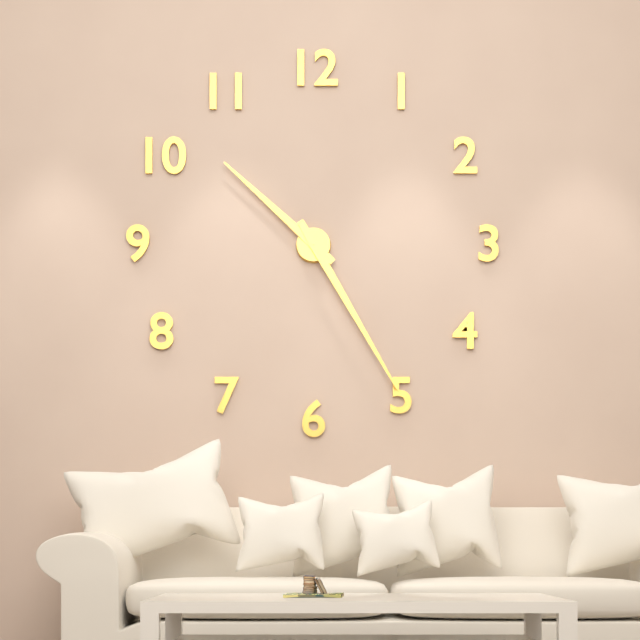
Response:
10.25
